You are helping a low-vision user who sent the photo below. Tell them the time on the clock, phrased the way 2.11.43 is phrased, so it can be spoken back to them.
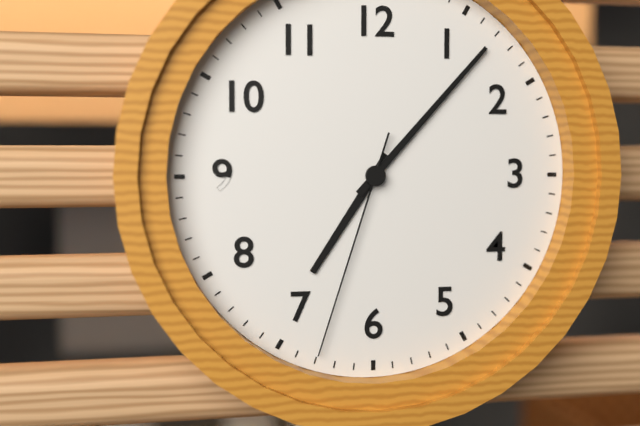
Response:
7.07.33
